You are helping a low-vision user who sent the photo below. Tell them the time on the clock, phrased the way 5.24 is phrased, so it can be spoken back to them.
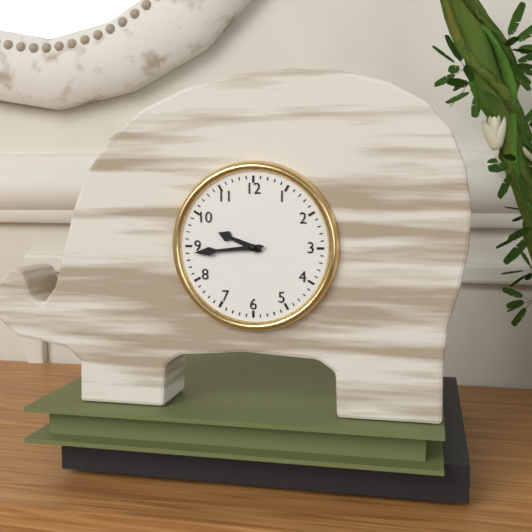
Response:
9.44
